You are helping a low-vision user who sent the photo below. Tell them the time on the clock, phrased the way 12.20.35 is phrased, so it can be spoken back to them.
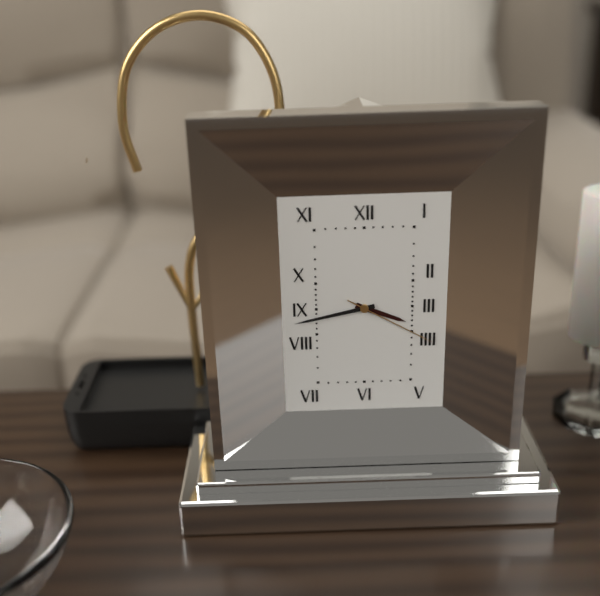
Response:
3.43.20
